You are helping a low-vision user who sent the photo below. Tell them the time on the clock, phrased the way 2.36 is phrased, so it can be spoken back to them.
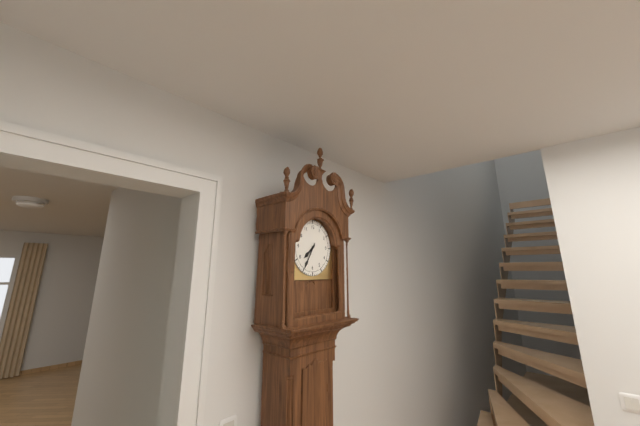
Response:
7.35
